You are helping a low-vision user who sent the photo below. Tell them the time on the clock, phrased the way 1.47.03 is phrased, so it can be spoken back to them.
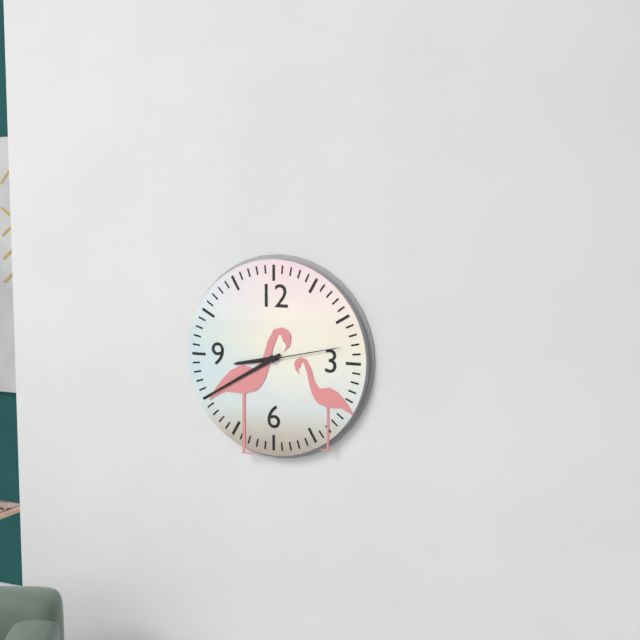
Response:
8.40.13
